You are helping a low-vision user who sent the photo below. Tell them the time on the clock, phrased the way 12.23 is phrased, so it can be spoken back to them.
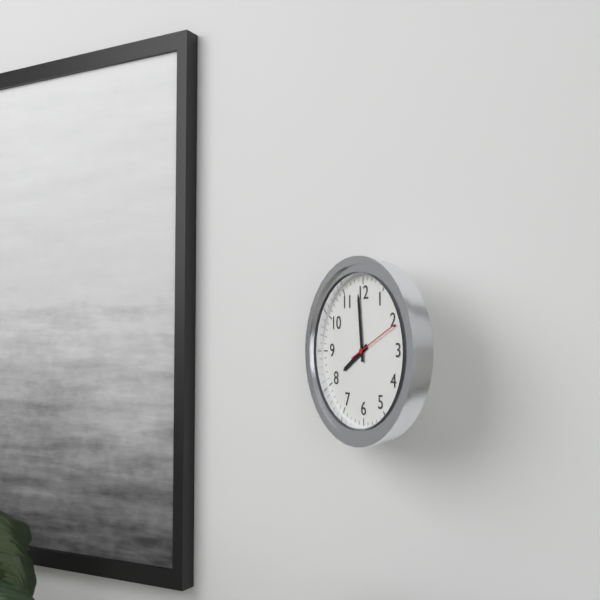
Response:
7.59
